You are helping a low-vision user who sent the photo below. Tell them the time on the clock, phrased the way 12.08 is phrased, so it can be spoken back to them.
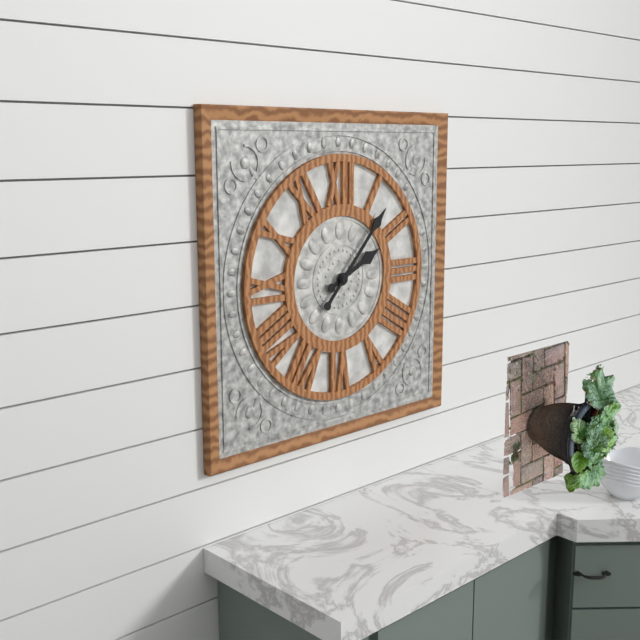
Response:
2.07
